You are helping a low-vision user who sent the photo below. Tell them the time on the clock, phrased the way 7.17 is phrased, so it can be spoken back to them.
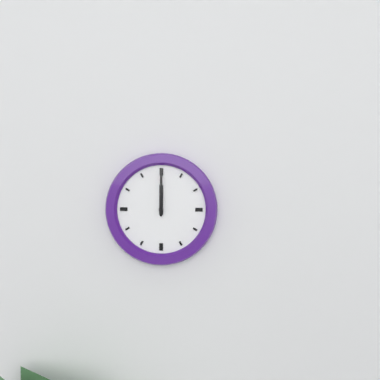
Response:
12.00
